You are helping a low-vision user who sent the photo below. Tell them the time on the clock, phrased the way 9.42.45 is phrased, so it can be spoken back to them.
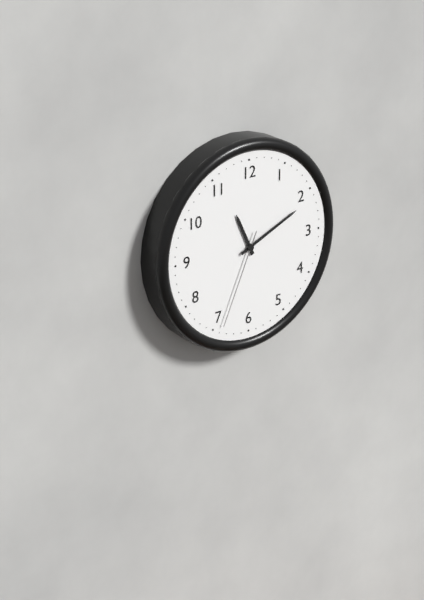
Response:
11.11.34
